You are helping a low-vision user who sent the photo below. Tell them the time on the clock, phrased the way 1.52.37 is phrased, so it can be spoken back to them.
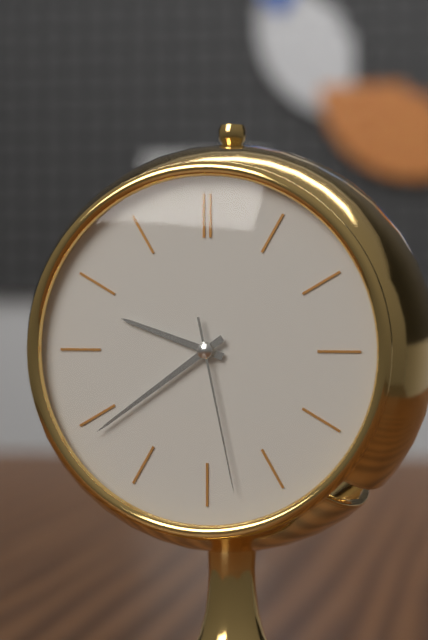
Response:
9.39.28
